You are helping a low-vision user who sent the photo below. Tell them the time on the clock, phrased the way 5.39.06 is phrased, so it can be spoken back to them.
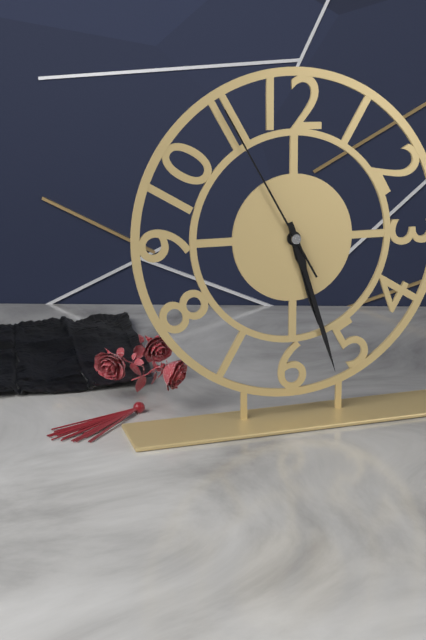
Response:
5.27.55
